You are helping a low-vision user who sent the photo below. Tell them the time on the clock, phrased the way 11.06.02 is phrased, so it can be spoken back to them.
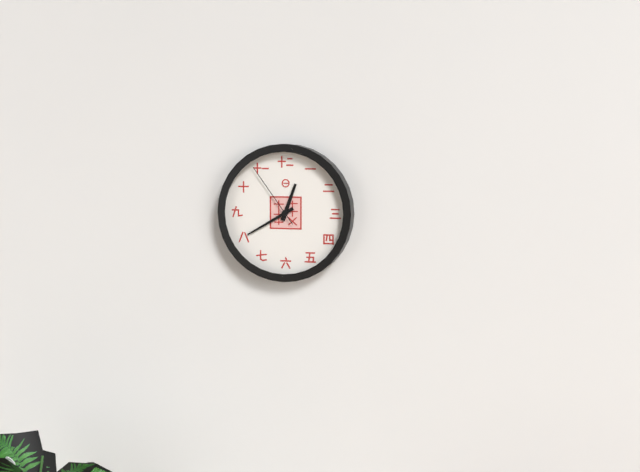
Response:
12.40.54
